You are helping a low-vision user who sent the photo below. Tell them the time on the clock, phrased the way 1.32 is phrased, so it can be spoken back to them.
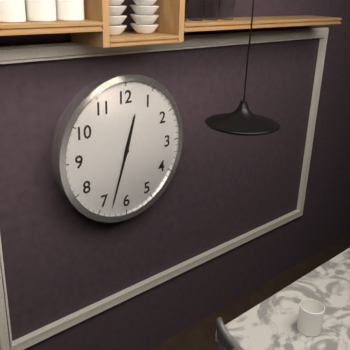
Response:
12.33
